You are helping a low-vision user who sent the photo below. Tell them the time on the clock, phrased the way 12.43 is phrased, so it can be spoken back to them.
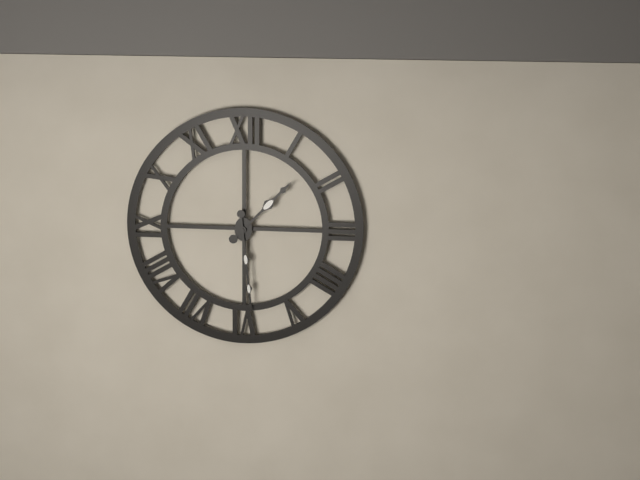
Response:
1.29
